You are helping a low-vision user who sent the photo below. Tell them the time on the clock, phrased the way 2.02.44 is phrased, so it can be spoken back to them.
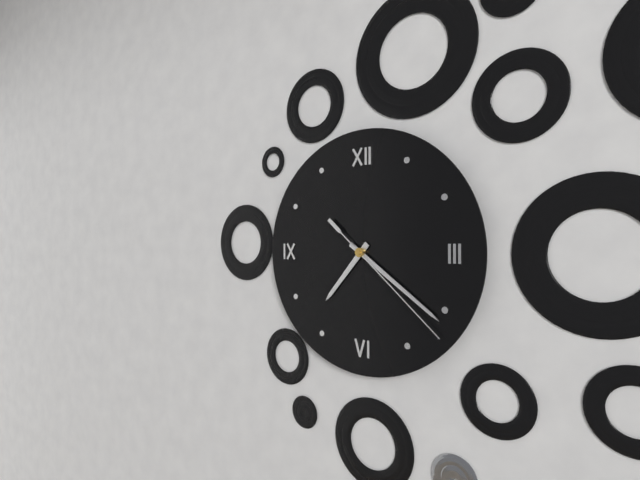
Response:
7.21.22
